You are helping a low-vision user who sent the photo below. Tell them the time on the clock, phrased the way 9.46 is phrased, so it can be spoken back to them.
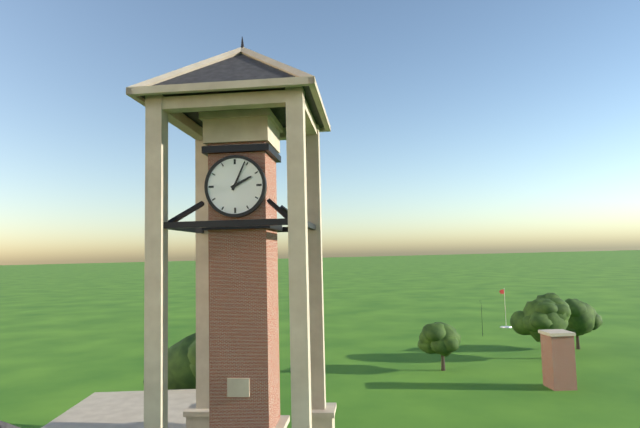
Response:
2.04
